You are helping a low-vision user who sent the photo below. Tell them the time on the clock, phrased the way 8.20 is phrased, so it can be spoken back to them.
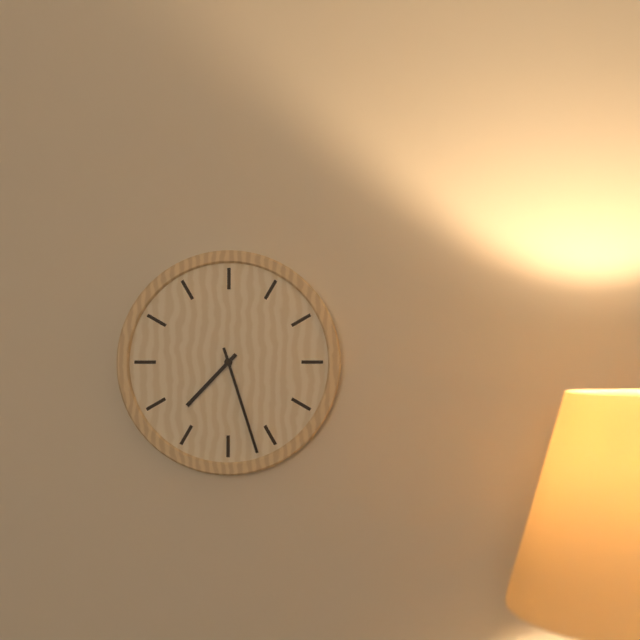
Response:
7.27
